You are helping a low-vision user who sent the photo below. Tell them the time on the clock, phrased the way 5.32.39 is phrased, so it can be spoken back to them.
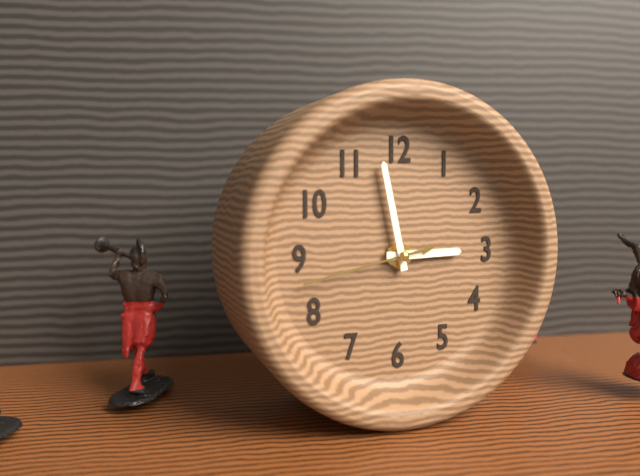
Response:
2.58.43
